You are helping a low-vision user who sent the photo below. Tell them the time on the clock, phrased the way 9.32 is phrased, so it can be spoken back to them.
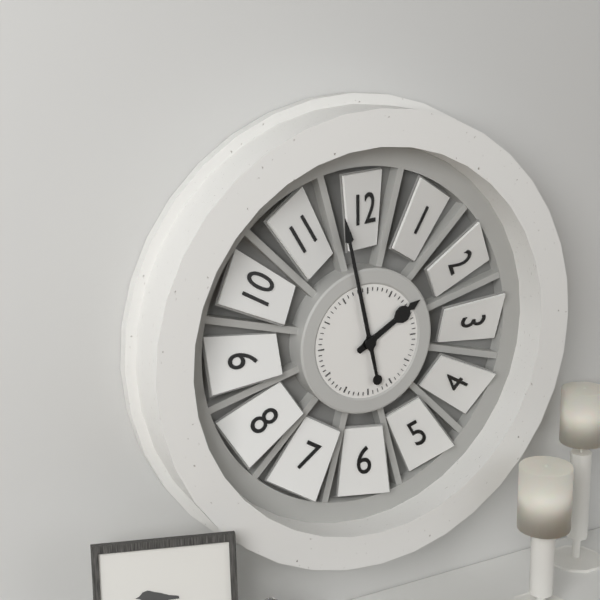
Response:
1.58
